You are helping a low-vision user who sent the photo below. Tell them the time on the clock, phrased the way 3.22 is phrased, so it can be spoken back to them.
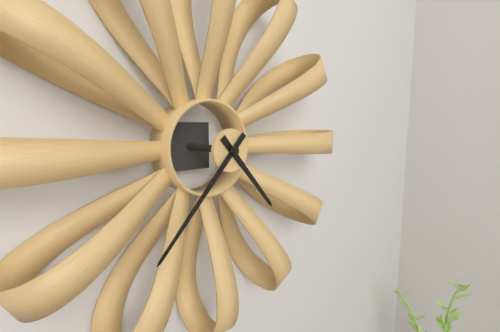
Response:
4.37
